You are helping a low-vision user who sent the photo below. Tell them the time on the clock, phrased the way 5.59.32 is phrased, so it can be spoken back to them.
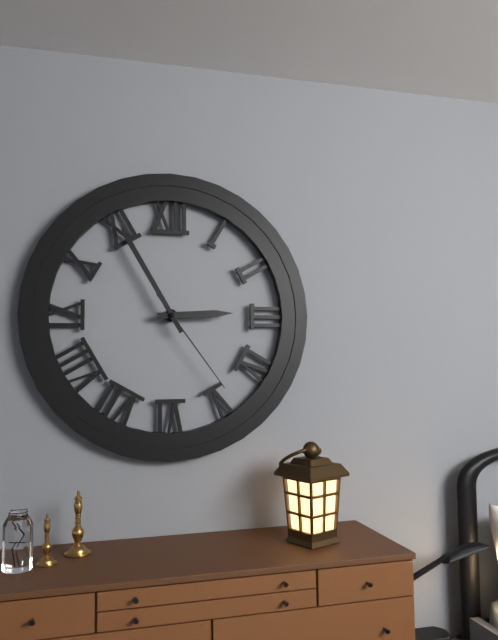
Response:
2.55.24
